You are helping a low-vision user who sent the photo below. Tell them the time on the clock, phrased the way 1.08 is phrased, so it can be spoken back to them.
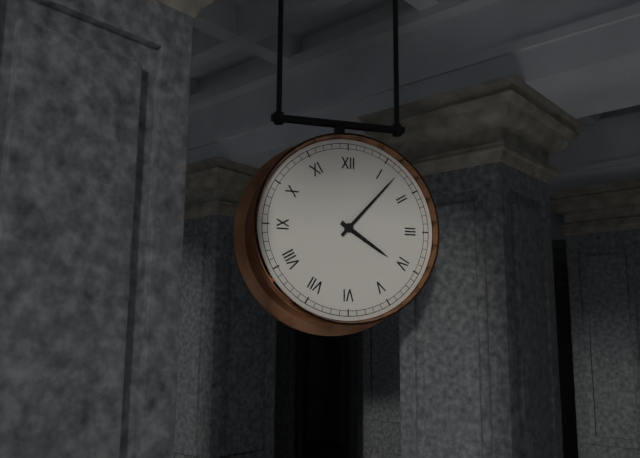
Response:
4.07
